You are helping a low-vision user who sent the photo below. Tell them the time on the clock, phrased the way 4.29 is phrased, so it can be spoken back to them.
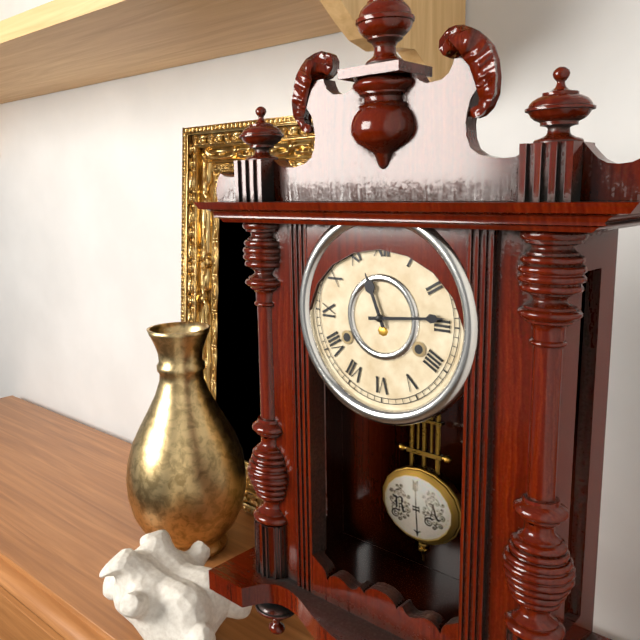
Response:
11.14
